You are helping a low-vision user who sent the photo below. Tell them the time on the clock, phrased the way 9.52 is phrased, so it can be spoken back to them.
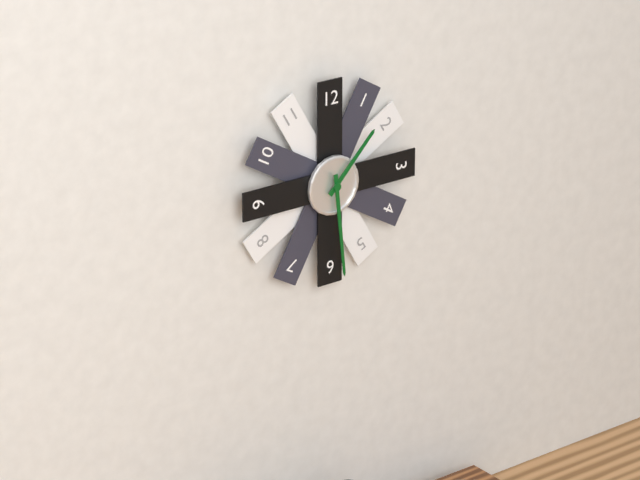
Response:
1.29
